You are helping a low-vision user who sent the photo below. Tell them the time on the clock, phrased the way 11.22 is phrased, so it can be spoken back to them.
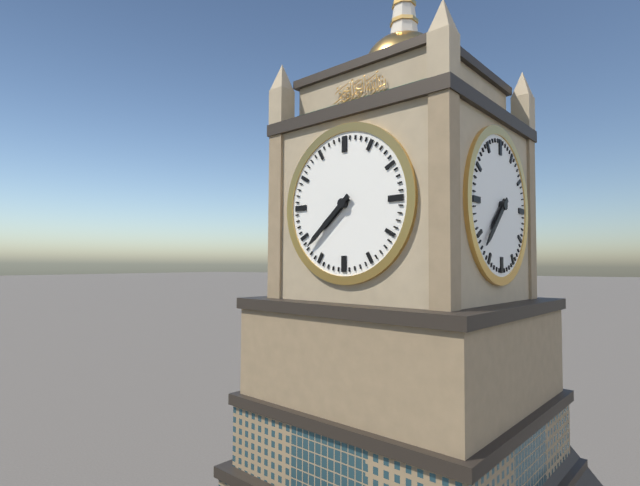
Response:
7.38
